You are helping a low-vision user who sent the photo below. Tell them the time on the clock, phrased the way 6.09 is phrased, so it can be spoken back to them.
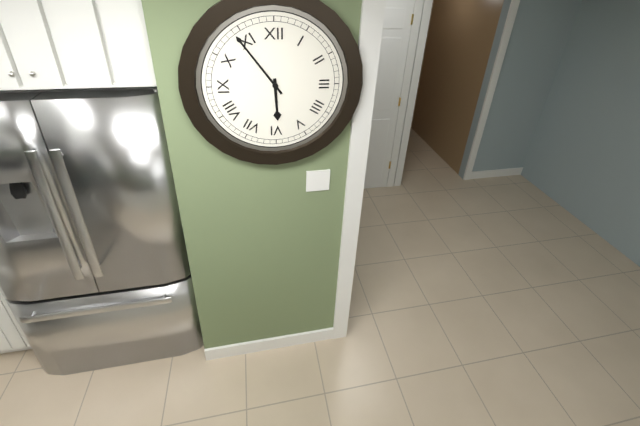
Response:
5.54
